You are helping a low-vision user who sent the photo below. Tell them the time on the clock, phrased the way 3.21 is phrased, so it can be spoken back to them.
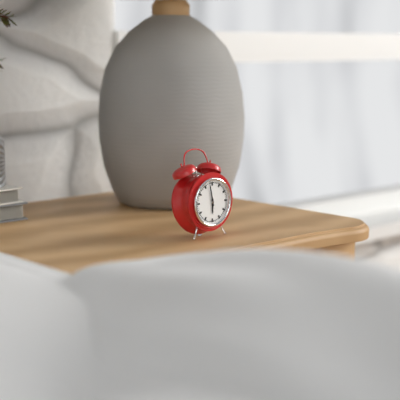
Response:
5.58
